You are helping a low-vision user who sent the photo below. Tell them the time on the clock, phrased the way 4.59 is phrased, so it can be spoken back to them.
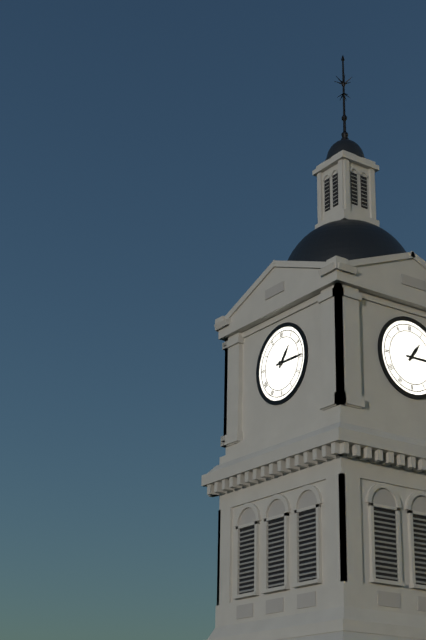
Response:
1.15
